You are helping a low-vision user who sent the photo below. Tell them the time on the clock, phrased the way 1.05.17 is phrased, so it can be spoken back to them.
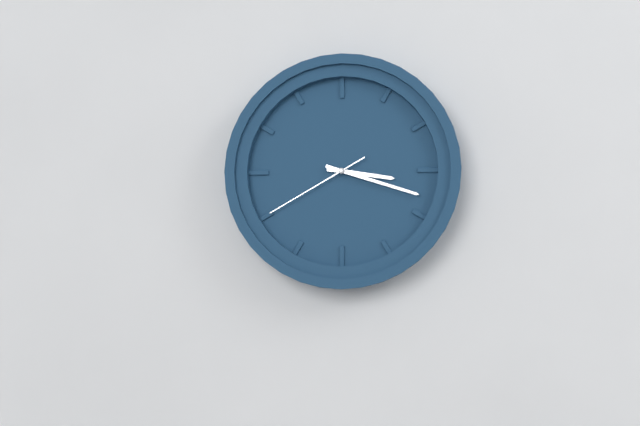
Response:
3.18.40
